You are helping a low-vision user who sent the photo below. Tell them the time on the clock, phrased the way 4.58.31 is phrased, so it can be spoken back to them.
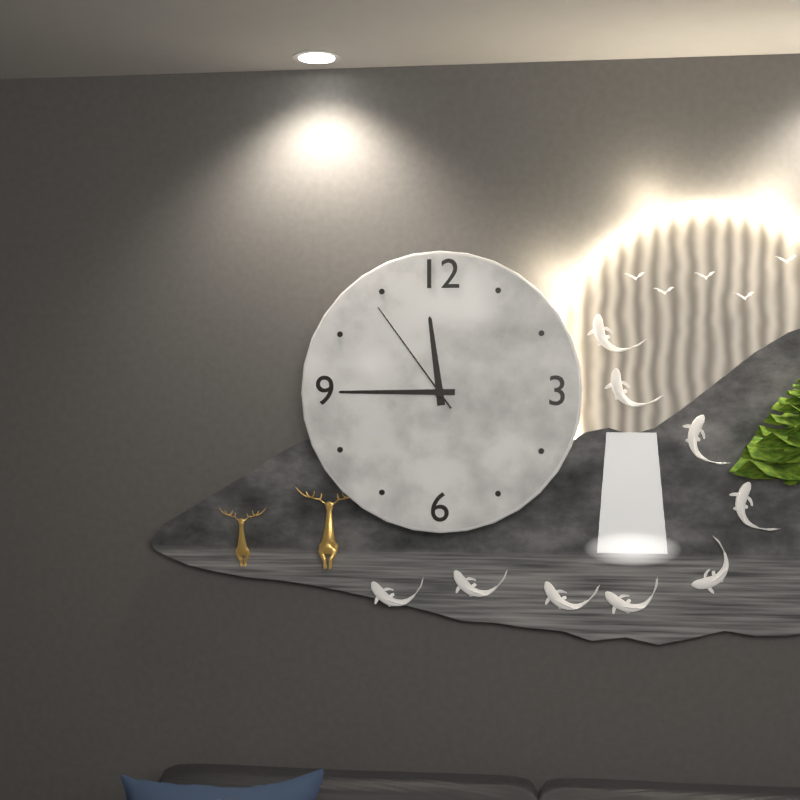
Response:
11.45.54
